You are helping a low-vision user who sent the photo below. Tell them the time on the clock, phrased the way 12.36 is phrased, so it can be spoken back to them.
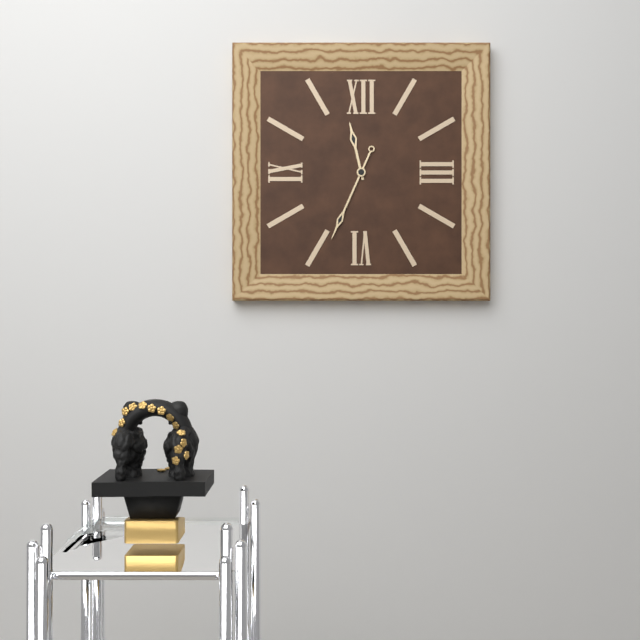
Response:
11.34
